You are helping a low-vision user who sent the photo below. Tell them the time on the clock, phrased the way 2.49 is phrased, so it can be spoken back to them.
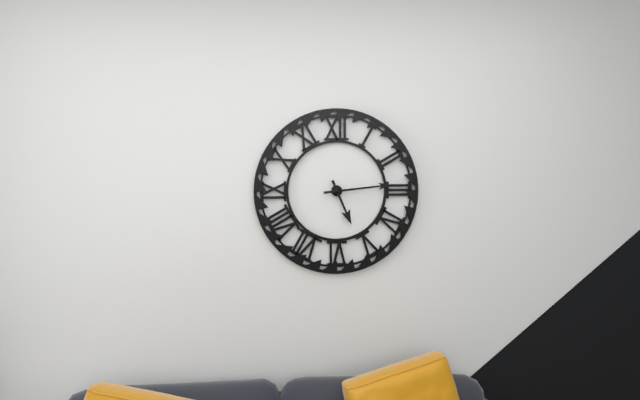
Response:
5.14
